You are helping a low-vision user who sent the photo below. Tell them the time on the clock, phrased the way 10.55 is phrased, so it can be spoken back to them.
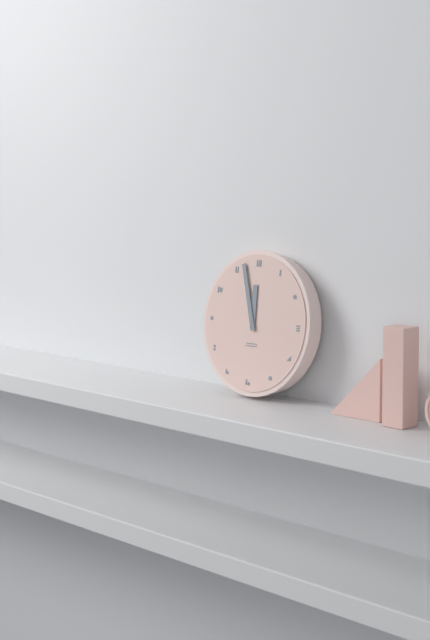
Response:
11.57
